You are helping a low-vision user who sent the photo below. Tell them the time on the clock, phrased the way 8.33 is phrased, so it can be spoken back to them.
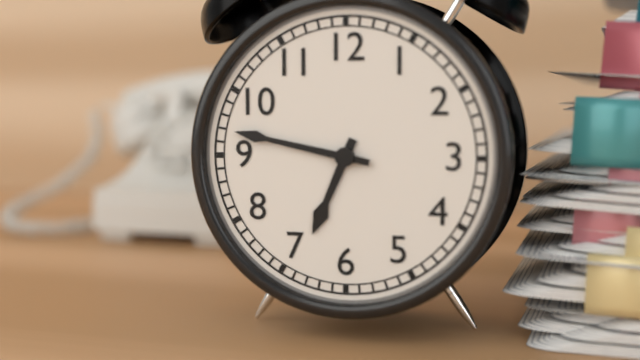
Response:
6.47
